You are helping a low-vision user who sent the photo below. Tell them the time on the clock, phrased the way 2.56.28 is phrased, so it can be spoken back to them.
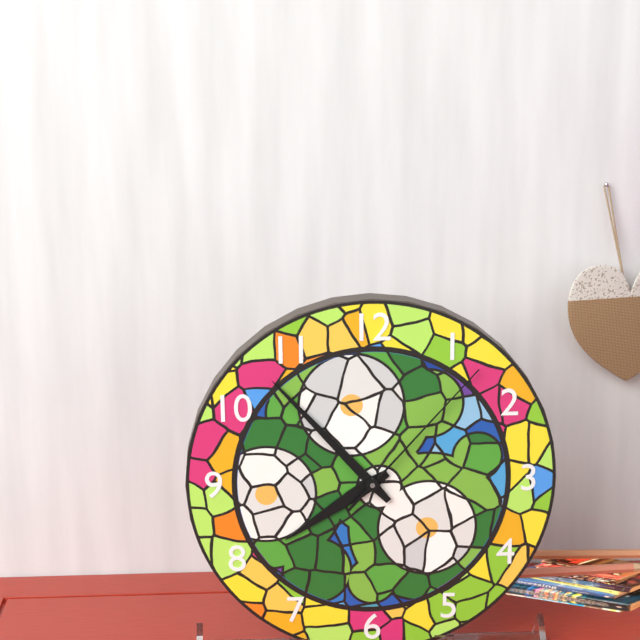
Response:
7.53.07
